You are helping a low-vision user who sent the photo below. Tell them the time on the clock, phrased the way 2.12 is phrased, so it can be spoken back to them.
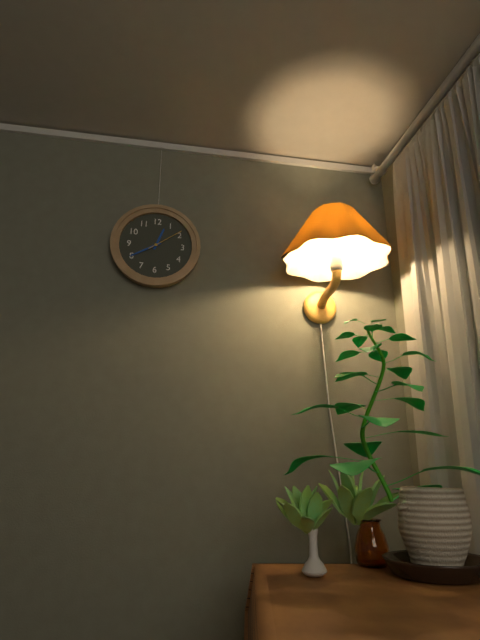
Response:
12.40
